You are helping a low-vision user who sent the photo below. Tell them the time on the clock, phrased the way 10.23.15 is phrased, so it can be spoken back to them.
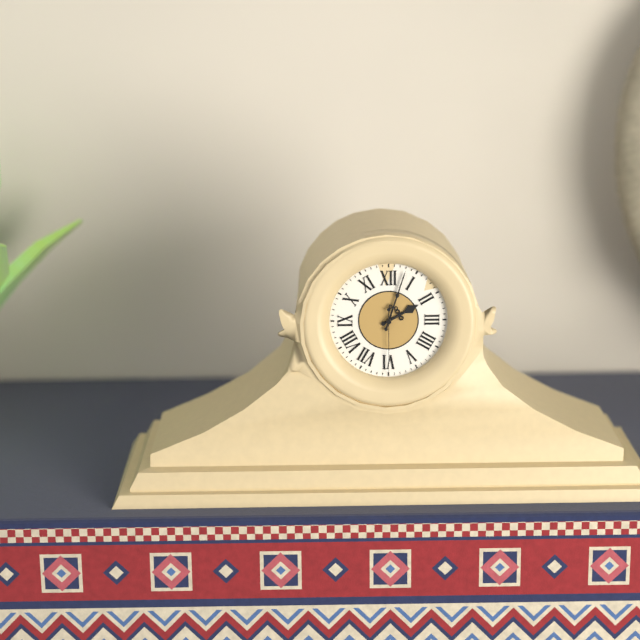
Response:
2.03.30
